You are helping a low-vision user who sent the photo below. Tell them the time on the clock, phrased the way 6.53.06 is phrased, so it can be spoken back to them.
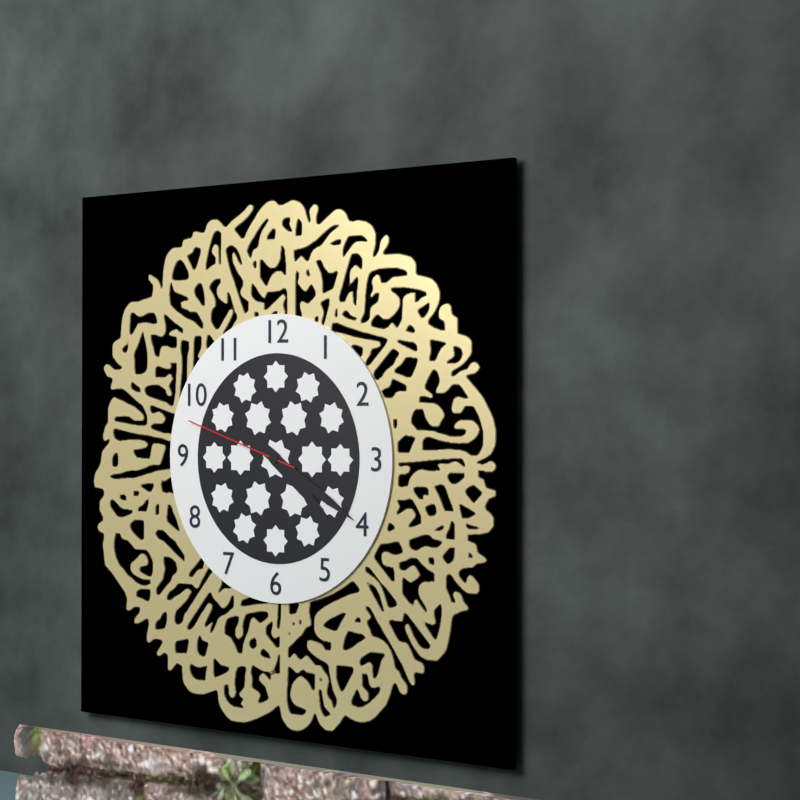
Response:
4.20.48
